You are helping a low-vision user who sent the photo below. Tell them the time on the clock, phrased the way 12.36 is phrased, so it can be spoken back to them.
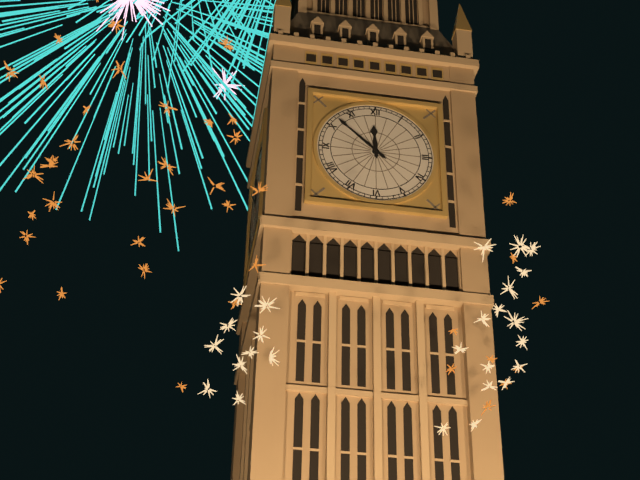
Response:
11.52
